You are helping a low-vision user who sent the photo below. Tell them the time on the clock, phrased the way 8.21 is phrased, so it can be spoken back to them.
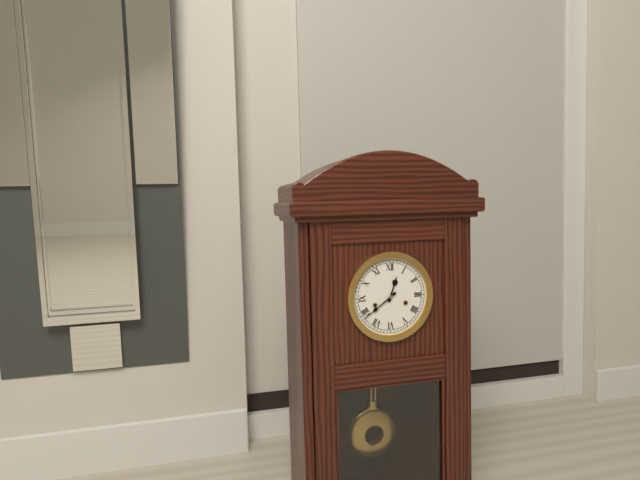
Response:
12.39
